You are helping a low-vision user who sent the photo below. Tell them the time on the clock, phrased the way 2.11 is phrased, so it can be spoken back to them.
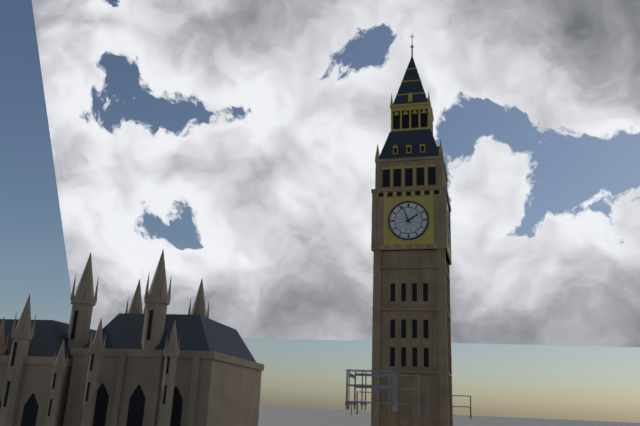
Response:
1.56
